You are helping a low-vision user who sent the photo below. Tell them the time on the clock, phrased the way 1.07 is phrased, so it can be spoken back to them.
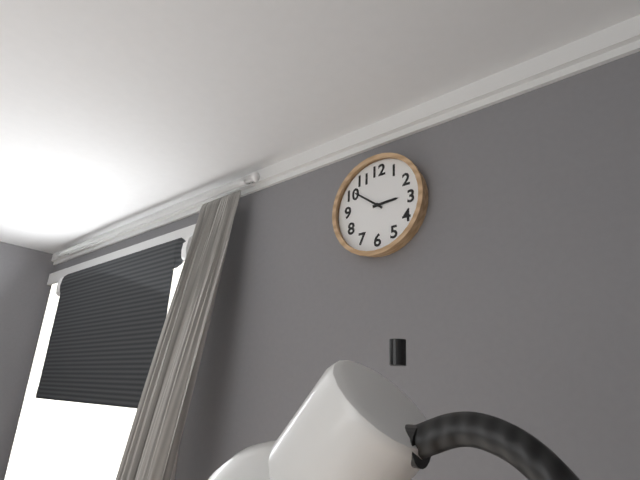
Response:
2.51
